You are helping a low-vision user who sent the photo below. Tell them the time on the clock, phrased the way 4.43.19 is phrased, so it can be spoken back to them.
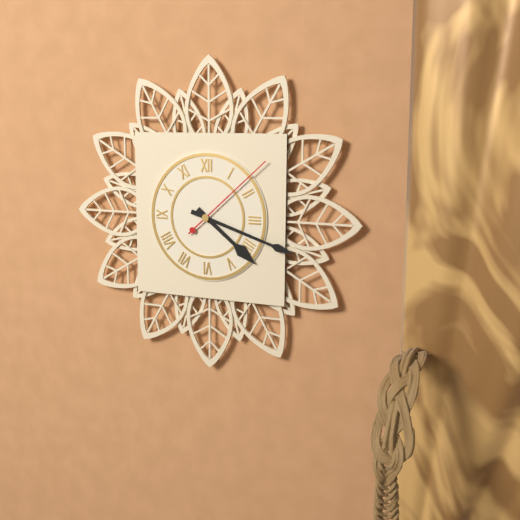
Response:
4.18.08
